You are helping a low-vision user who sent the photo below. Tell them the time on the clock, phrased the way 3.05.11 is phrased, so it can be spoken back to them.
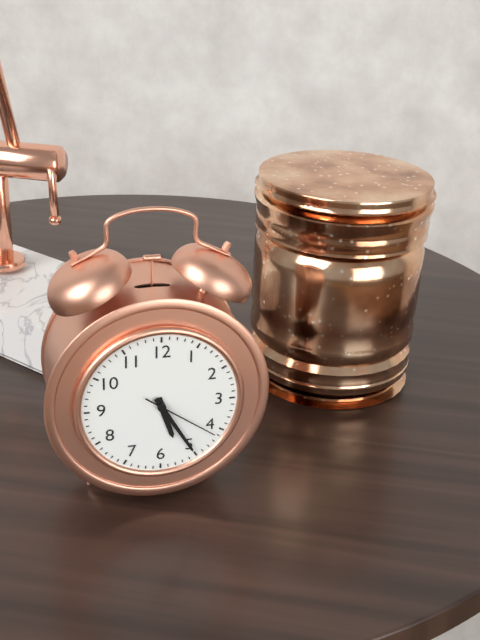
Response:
5.25.21
